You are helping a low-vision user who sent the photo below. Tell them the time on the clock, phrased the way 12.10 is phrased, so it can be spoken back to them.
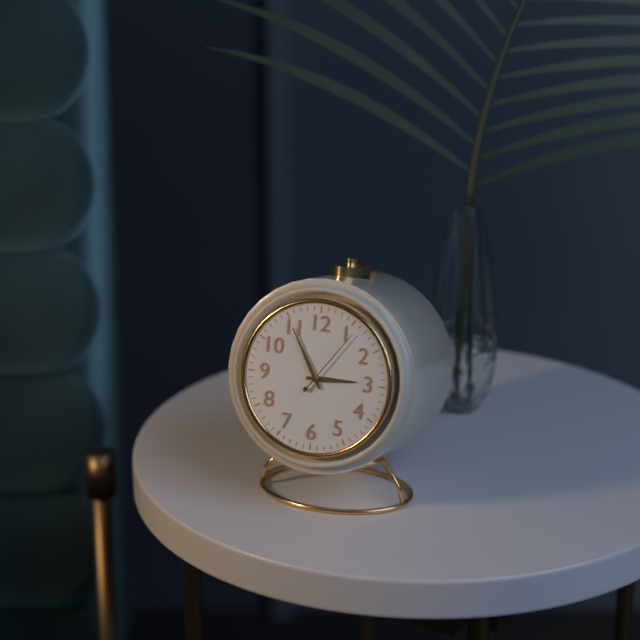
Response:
2.55
